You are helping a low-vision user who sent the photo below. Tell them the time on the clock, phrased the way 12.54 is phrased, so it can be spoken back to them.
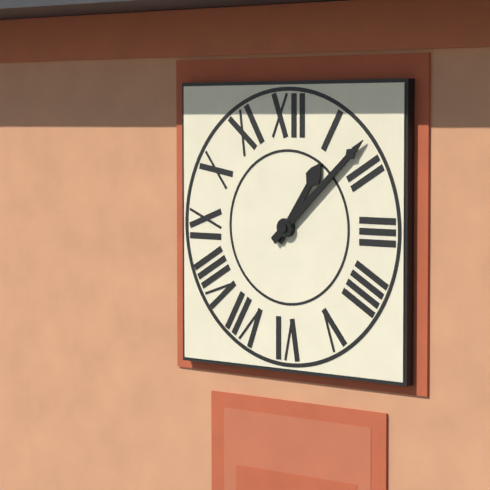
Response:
1.08
